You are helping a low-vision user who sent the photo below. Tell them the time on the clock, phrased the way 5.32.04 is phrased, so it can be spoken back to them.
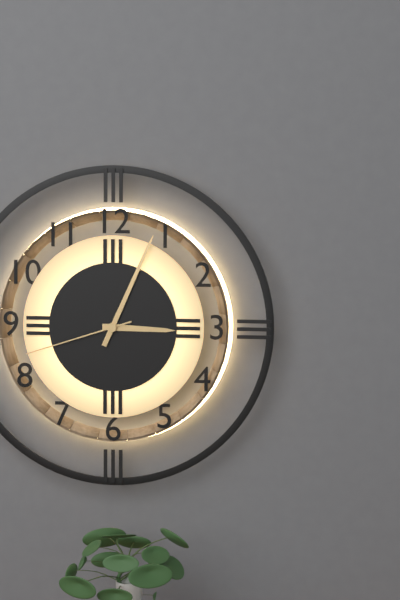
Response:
3.04.42
